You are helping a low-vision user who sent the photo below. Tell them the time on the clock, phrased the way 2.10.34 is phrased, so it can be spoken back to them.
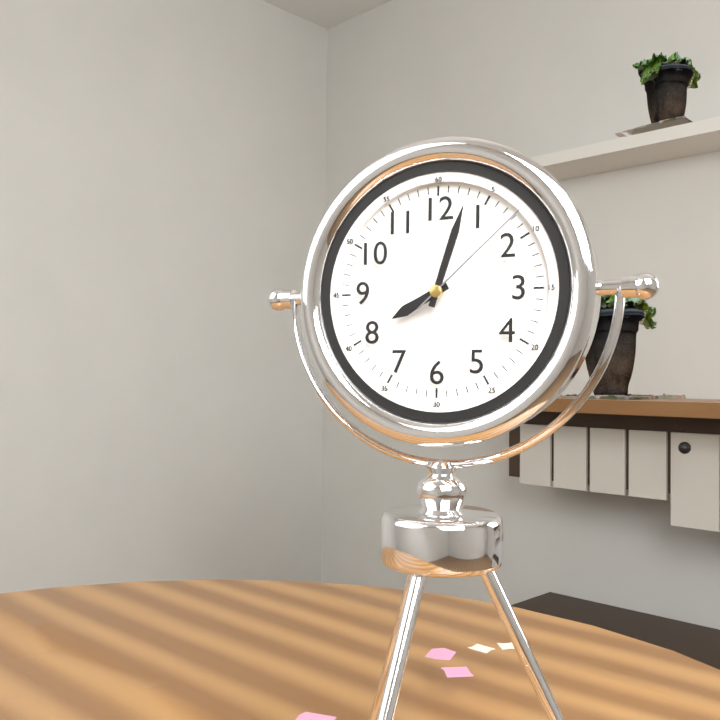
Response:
8.03.08
